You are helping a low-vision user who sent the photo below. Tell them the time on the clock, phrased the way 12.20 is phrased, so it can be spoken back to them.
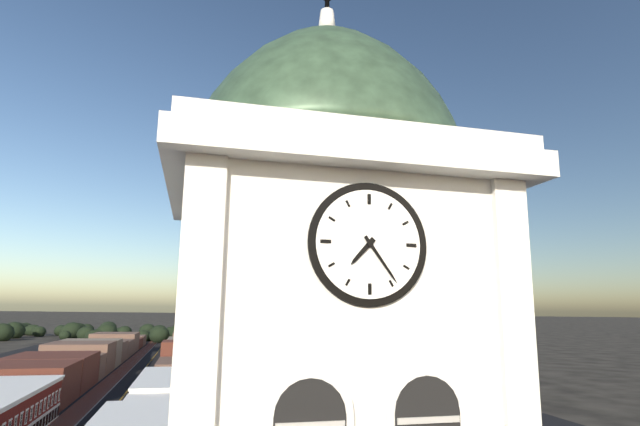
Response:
7.24
